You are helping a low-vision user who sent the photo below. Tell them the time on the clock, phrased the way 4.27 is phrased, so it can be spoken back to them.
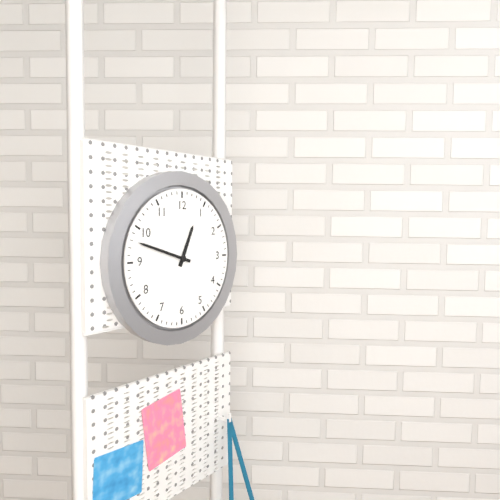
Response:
12.48
